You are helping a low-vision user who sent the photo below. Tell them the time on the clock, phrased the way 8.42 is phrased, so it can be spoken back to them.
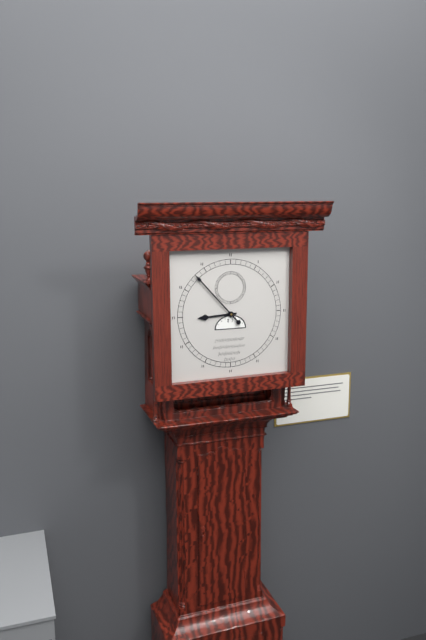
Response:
8.53
